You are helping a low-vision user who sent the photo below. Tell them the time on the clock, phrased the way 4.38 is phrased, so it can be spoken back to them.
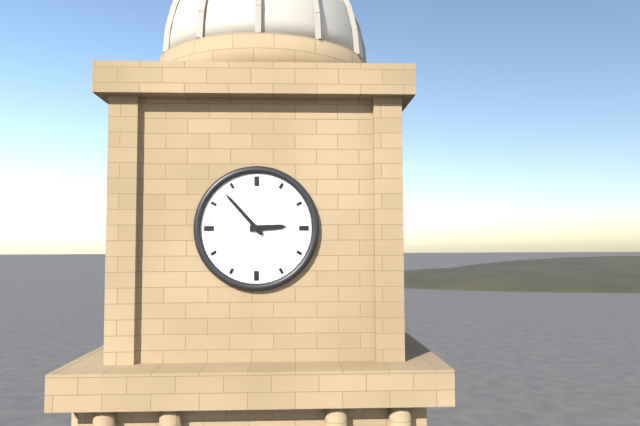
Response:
2.53
